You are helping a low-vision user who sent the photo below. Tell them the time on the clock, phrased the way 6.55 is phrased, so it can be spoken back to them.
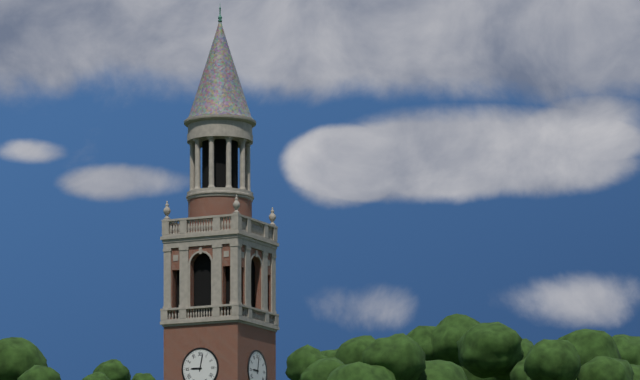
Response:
9.02
